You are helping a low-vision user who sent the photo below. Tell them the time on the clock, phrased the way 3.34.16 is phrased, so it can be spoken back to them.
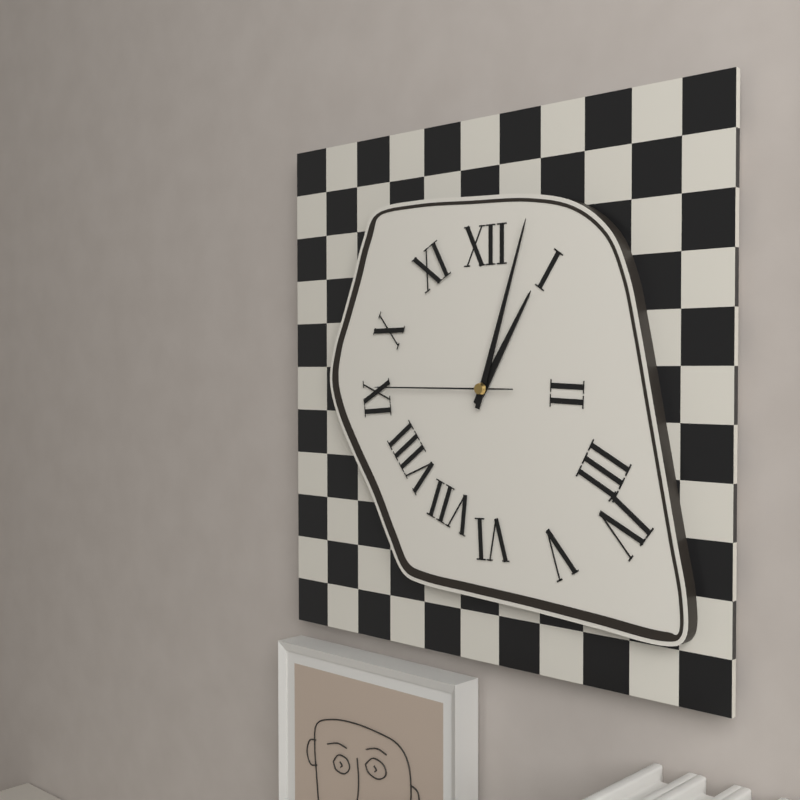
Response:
1.03.45
